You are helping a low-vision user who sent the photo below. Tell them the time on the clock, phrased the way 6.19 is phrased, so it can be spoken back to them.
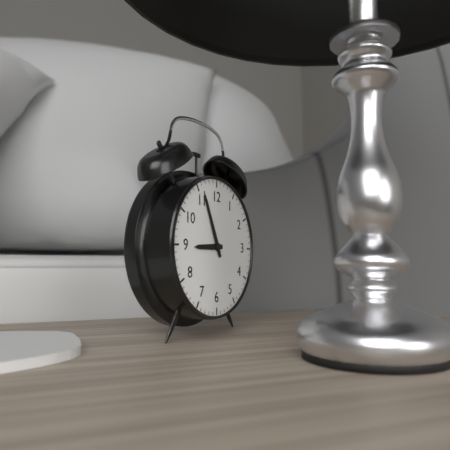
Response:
8.56
